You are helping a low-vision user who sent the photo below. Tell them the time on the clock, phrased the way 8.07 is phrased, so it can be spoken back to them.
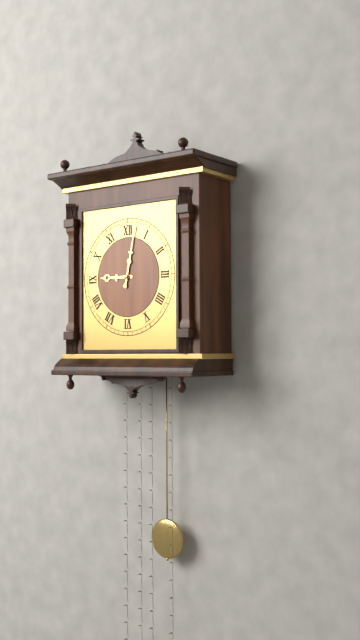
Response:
9.02
